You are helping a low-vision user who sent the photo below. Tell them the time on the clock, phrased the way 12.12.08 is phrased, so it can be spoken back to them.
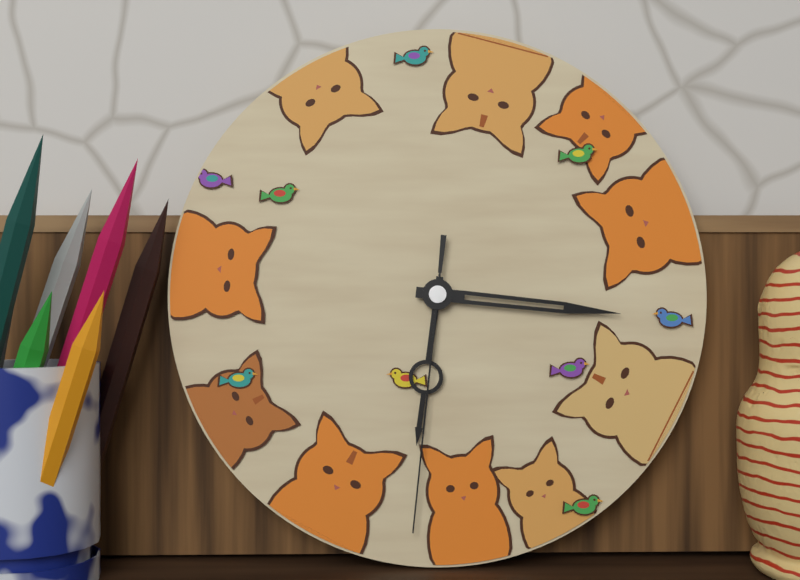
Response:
6.16.31
